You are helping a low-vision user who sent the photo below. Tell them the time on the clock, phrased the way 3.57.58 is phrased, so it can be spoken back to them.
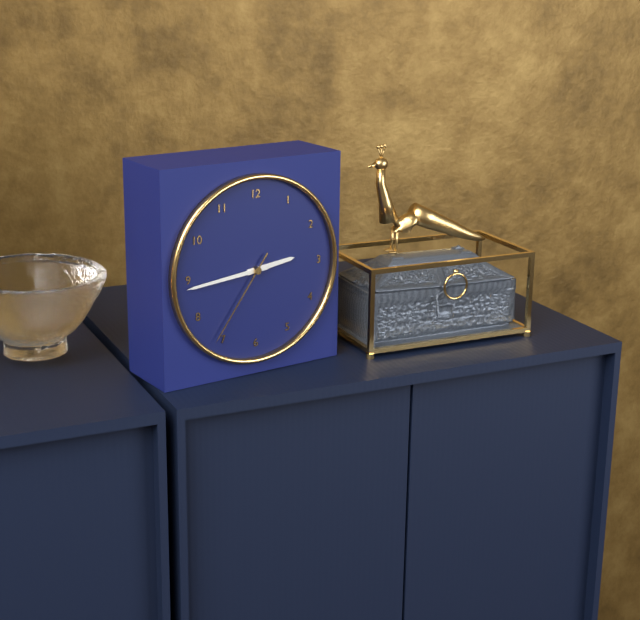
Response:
2.44.36
